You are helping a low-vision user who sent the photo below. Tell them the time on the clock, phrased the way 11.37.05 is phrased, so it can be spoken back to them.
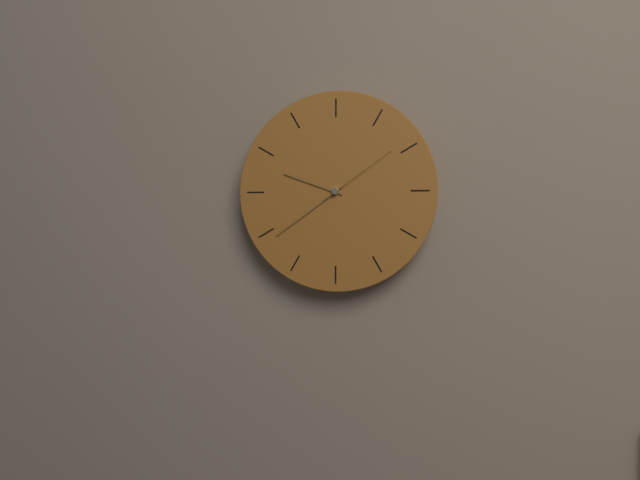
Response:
9.39.09
